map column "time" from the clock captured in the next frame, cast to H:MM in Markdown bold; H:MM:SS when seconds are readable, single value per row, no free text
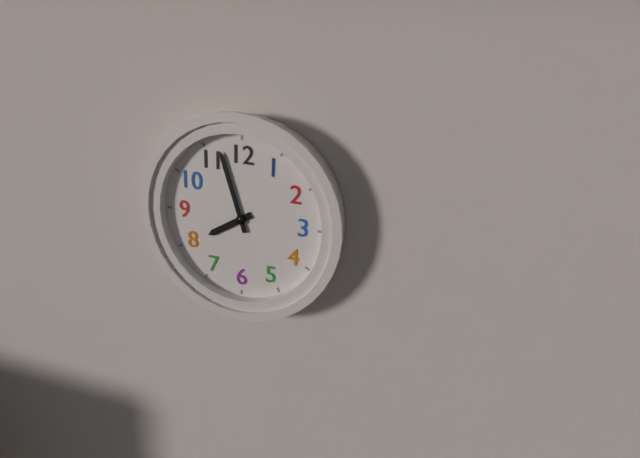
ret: **7:57**
